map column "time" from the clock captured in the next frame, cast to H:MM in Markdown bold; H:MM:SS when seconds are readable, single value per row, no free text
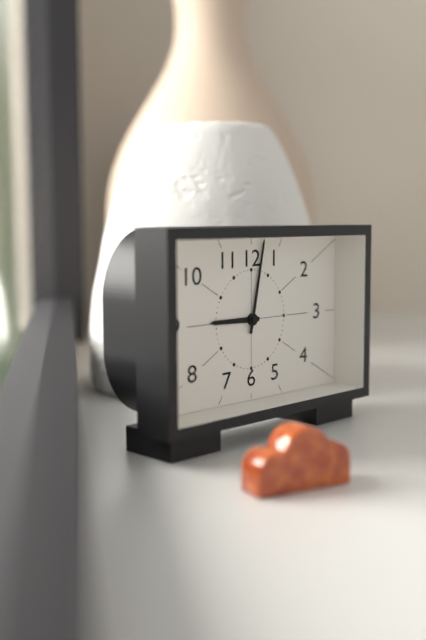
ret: **9:02**
